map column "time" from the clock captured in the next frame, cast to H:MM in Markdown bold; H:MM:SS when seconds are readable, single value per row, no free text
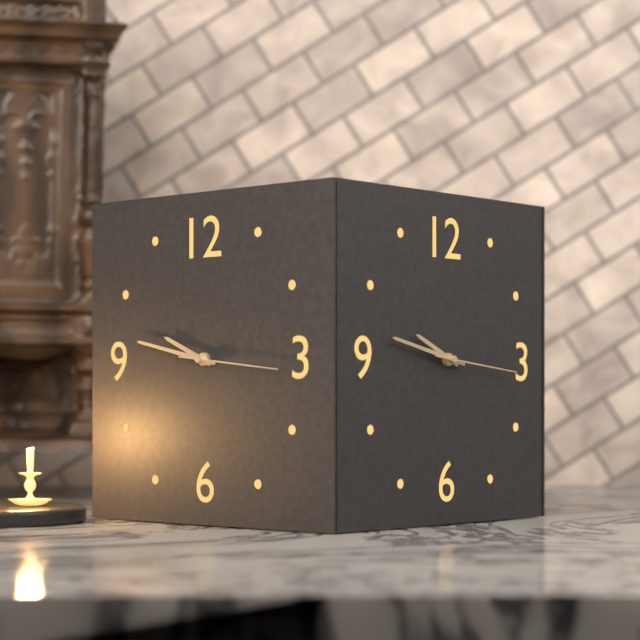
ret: **9:47:16**
